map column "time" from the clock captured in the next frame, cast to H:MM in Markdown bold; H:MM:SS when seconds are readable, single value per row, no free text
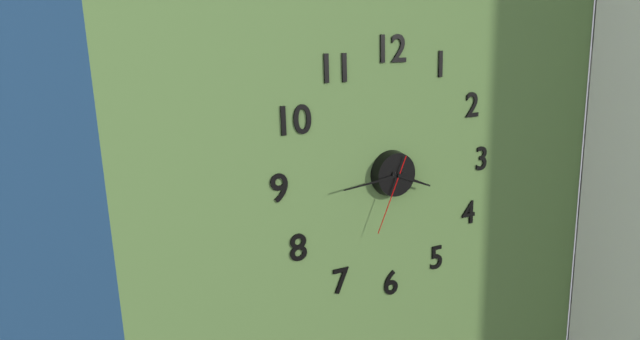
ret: **3:44:34**
